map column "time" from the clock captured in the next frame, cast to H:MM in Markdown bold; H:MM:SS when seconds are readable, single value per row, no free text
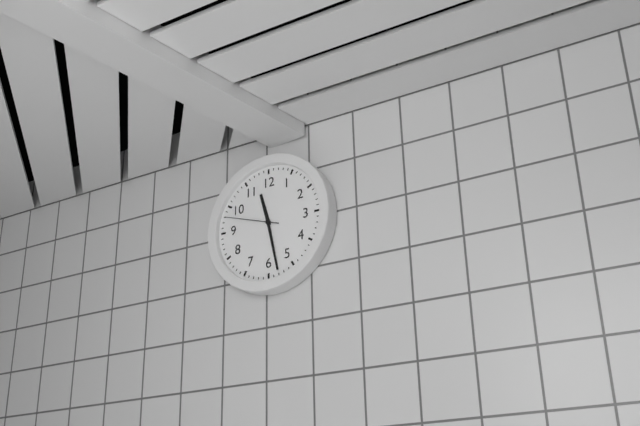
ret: **11:28:48**
